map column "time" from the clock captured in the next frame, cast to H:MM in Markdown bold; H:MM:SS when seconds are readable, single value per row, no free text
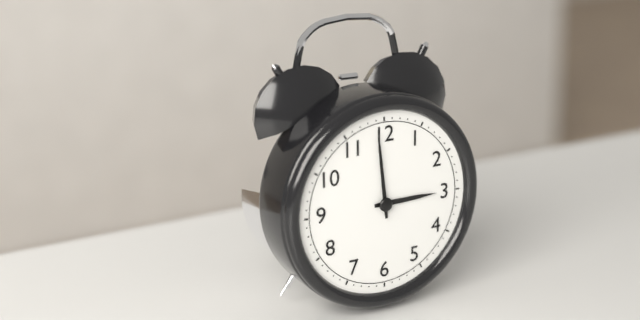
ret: **2:59**
